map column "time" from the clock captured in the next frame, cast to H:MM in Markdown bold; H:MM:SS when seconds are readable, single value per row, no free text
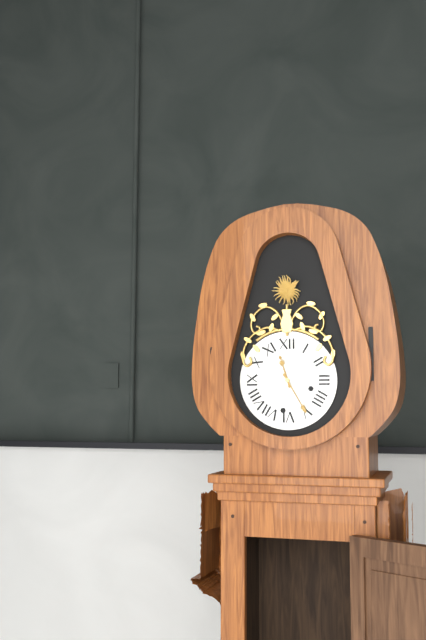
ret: **11:25**
